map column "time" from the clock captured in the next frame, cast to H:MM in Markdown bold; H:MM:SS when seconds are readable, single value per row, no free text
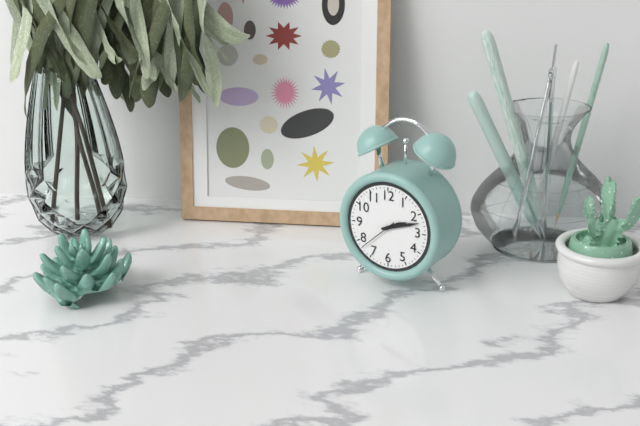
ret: **2:12**
